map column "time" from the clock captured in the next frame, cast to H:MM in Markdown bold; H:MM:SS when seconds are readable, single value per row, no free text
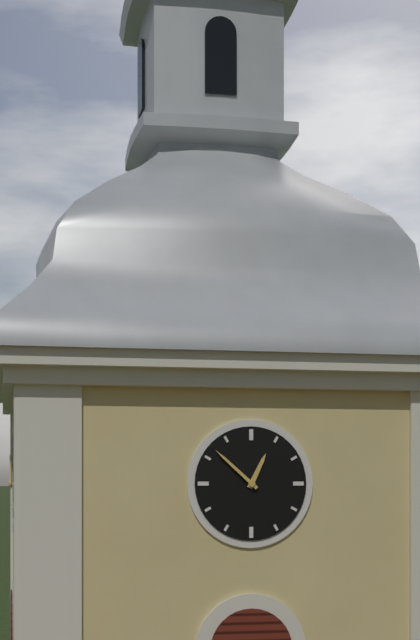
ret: **12:52**
